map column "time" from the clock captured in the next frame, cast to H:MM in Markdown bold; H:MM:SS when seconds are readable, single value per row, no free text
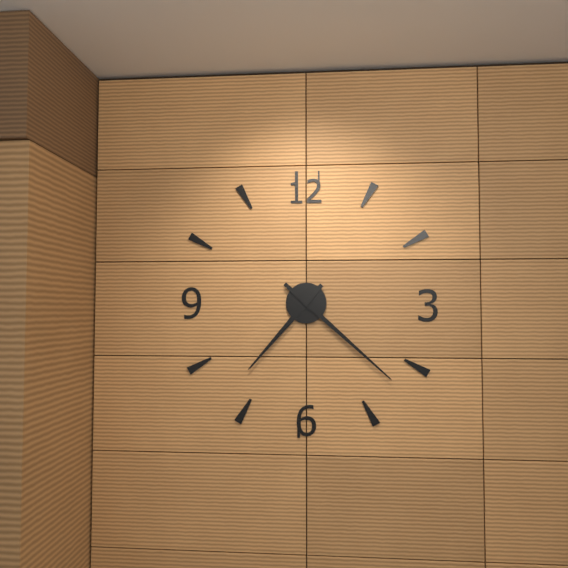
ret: **7:22**
